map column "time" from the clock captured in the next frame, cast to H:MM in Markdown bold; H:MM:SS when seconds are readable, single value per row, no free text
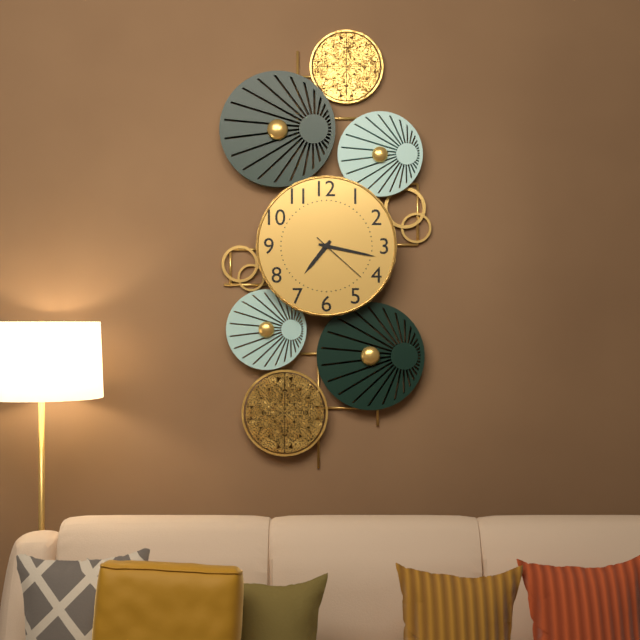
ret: **7:17:22**
